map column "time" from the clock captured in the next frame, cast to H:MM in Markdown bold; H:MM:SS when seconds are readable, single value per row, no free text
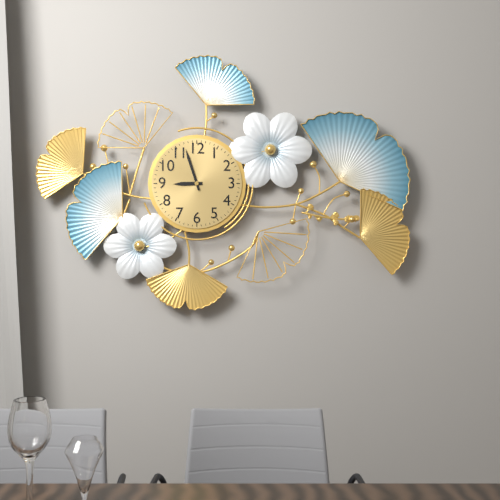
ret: **8:57**
